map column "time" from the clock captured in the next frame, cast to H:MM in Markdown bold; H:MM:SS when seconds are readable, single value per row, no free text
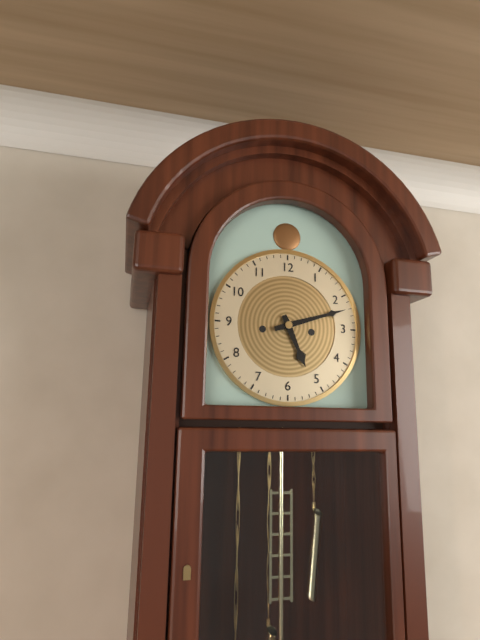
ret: **5:12**
